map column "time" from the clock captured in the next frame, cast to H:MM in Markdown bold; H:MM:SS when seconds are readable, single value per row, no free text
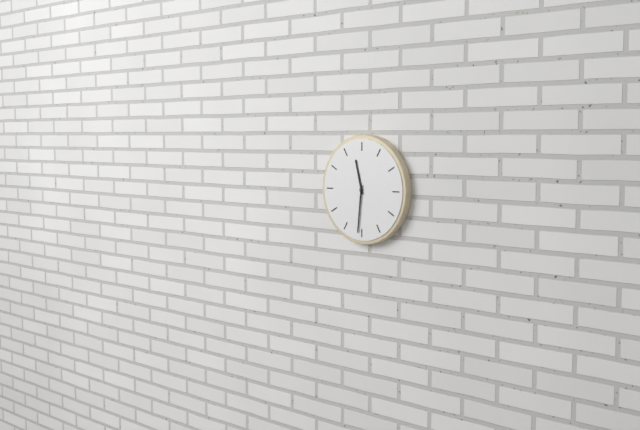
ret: **11:31**
